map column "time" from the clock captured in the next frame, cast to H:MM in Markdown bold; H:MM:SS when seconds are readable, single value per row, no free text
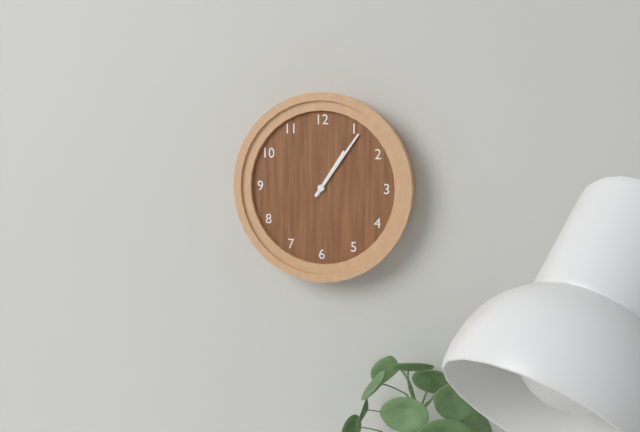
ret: **1:06**
